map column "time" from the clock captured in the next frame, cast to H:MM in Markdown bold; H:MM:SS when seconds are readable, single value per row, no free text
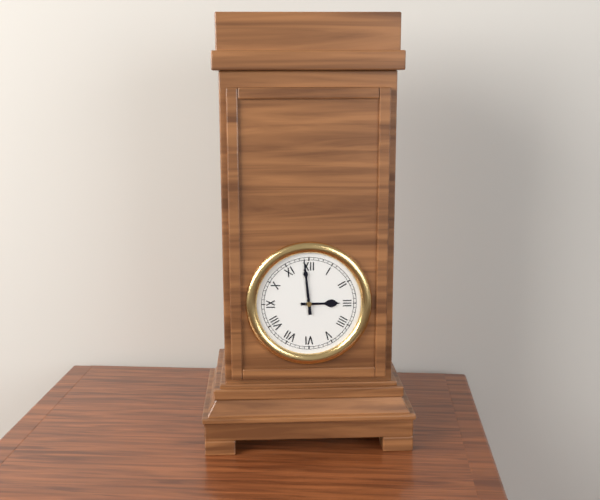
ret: **2:59**
